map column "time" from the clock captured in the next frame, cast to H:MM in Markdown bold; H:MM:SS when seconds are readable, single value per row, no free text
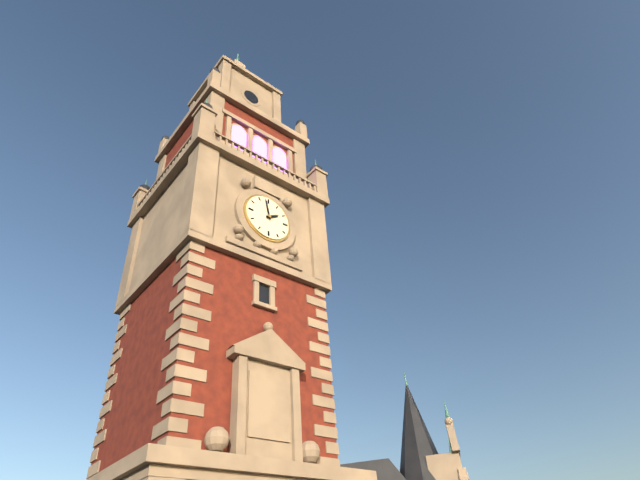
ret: **1:58**
